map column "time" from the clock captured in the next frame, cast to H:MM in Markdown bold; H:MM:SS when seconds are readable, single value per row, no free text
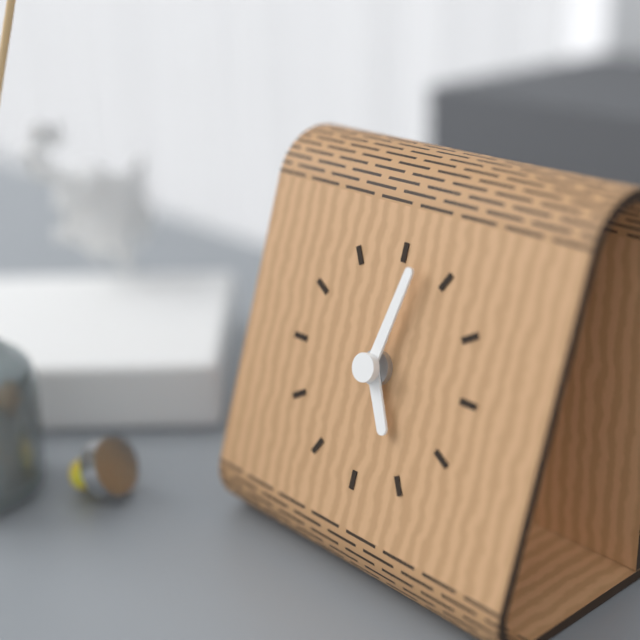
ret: **5:02**
